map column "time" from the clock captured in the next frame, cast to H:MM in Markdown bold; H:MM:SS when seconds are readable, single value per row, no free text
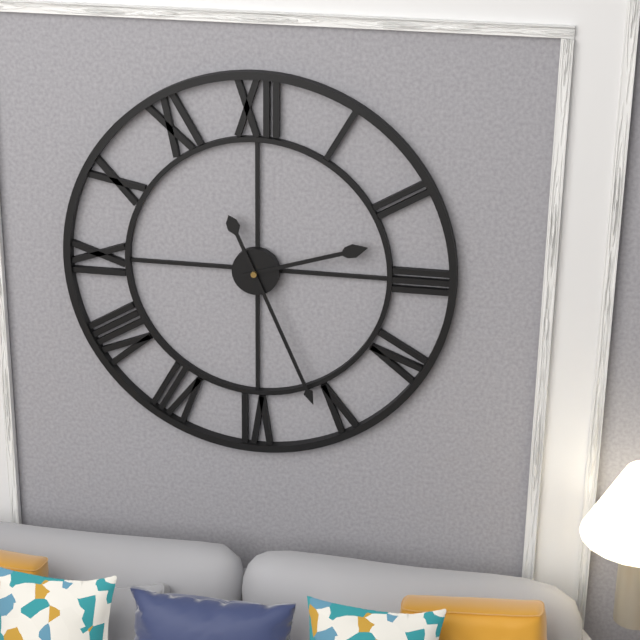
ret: **2:26**
